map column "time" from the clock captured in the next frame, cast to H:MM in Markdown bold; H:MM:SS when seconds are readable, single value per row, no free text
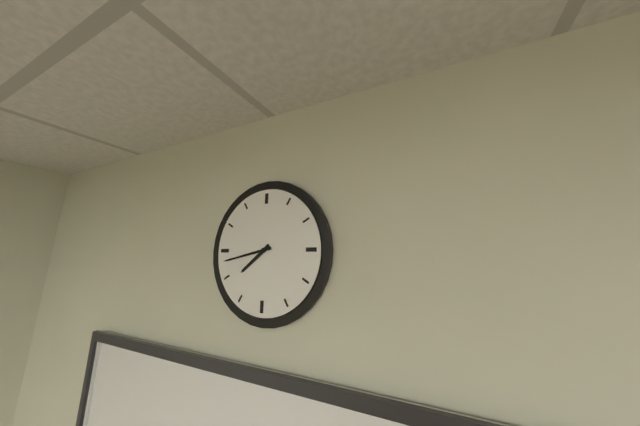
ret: **7:43**
